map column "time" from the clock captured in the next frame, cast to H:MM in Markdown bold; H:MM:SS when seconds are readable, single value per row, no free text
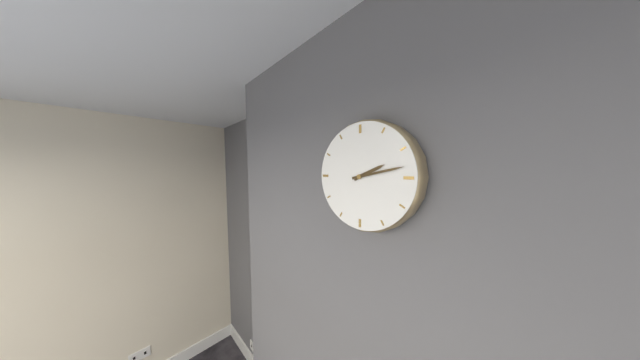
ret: **2:13**
